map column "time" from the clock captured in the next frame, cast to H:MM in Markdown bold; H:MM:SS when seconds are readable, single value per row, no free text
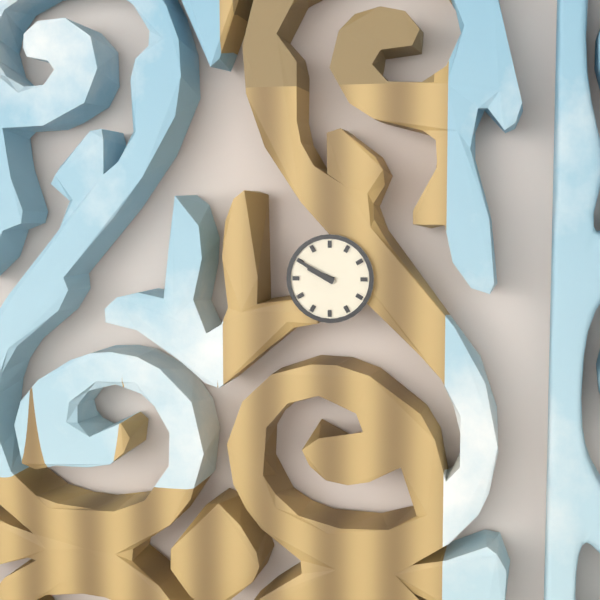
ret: **9:50**
